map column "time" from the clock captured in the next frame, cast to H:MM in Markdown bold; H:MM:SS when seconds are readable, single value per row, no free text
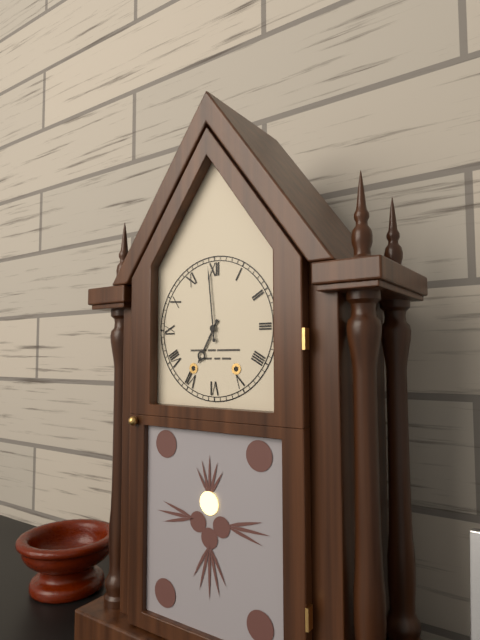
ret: **6:59**
